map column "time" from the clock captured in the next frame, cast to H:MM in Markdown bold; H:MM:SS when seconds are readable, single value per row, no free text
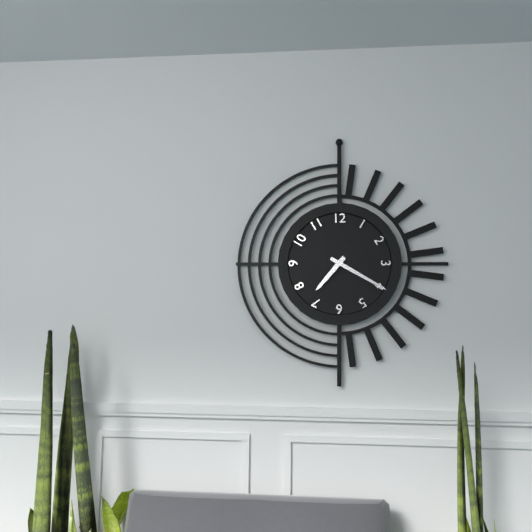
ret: **7:20**
